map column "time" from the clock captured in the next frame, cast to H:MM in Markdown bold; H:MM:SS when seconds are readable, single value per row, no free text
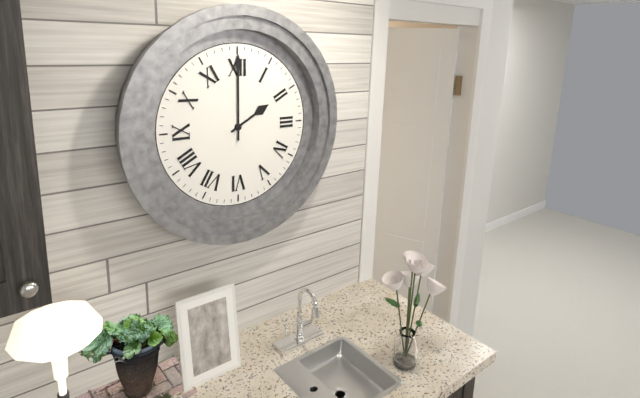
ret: **2:00**
